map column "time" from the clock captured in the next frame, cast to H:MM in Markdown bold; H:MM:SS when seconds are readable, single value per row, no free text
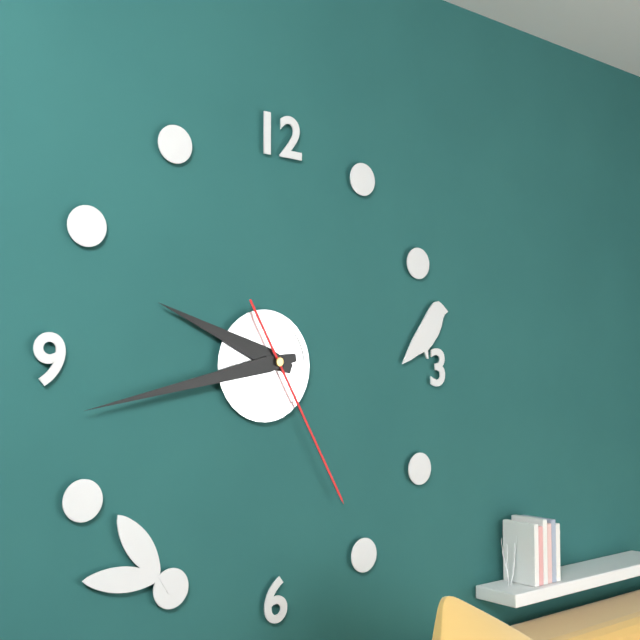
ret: **9:43:25**
